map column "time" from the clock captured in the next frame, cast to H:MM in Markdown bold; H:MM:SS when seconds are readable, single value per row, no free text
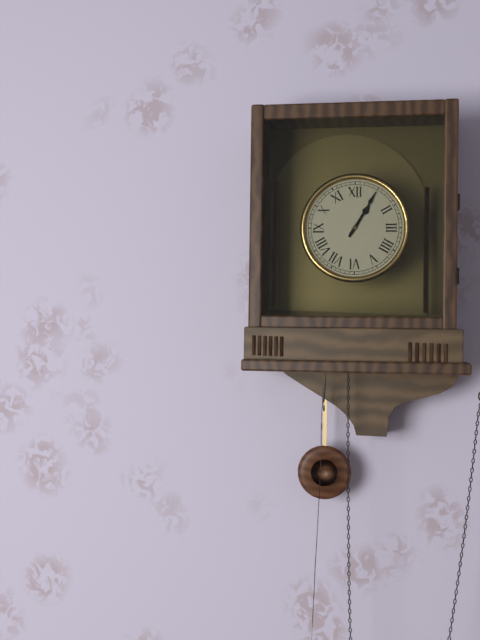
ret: **1:05**
